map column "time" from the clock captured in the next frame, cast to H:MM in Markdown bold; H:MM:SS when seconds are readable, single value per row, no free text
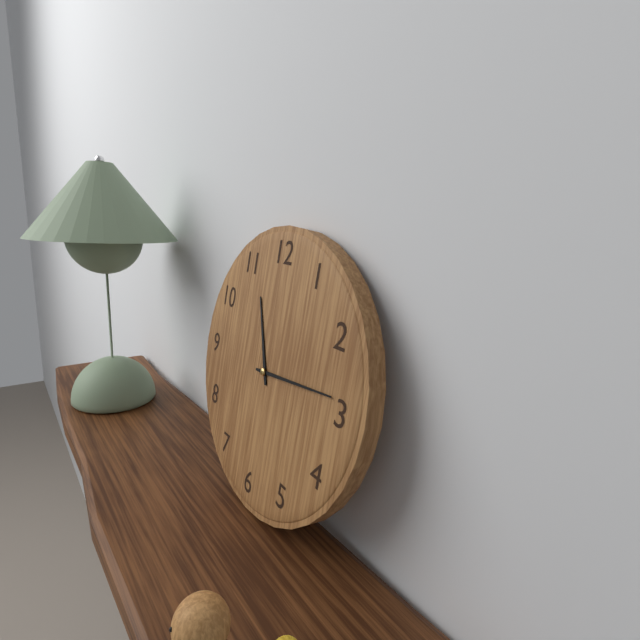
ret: **11:14**
